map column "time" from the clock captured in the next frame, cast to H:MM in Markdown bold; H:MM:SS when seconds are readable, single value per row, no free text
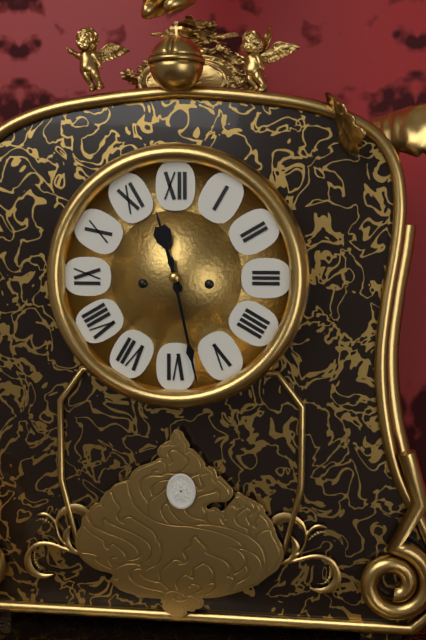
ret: **11:28**
